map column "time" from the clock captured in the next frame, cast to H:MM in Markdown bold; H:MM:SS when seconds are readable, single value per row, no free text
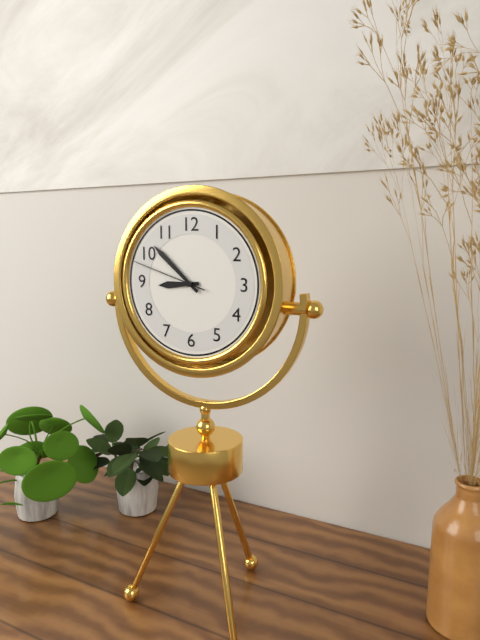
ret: **8:52:48**
